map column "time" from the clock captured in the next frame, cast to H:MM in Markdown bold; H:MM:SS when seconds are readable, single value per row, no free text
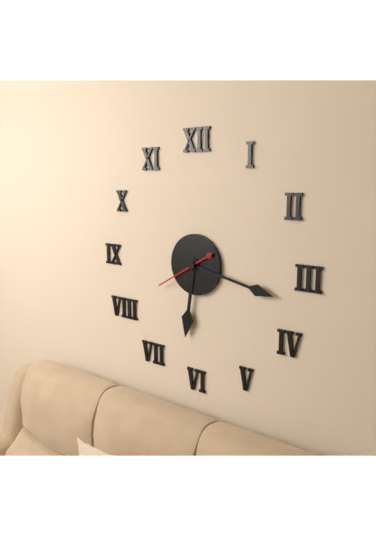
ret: **6:17:40**
